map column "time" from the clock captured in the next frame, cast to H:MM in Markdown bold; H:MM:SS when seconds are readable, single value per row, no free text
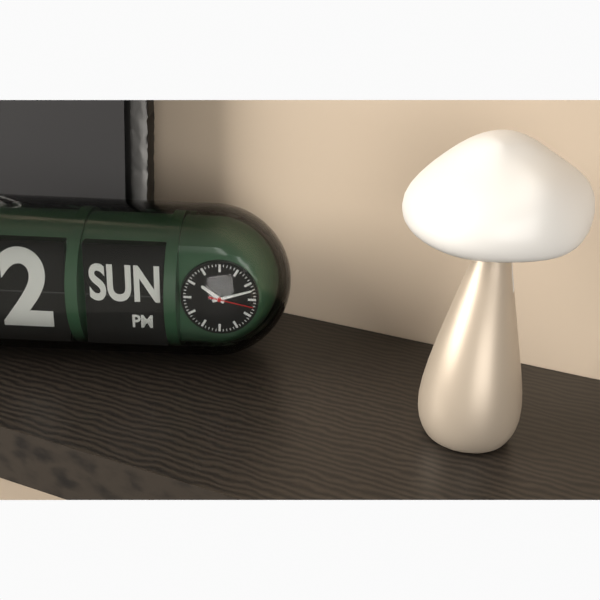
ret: **10:12**
